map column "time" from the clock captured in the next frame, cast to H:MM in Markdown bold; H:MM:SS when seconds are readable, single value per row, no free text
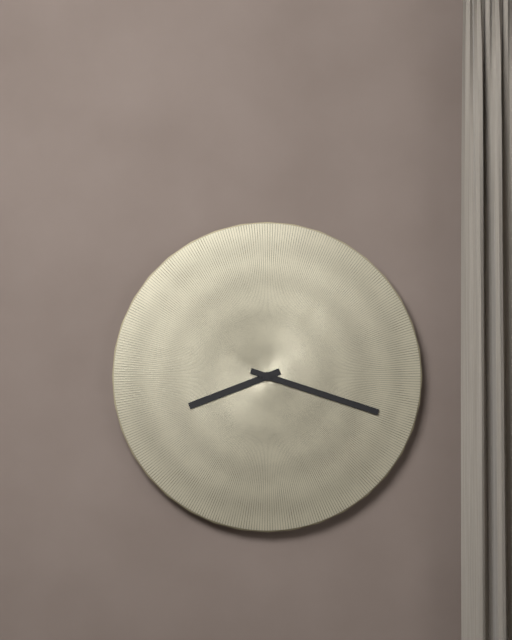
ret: **8:18**
